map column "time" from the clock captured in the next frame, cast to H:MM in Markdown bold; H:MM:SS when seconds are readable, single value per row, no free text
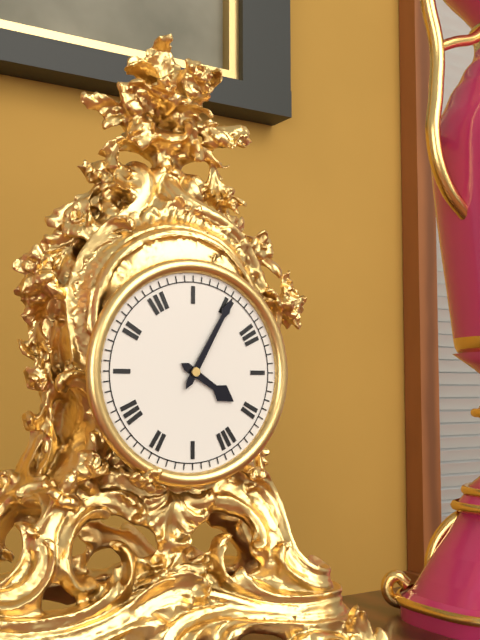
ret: **4:05**
